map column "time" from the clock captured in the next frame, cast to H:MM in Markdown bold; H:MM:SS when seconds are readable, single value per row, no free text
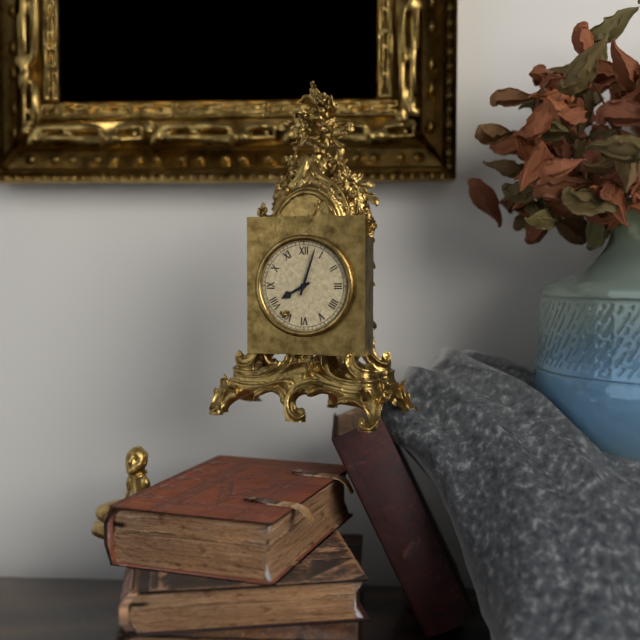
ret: **8:03**
